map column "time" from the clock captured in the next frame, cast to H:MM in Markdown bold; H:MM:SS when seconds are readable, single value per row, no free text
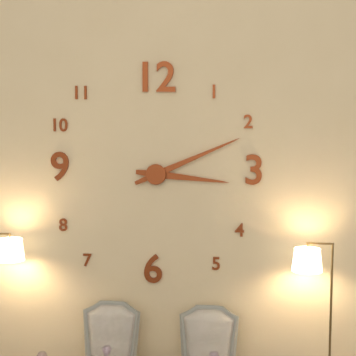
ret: **3:11**
